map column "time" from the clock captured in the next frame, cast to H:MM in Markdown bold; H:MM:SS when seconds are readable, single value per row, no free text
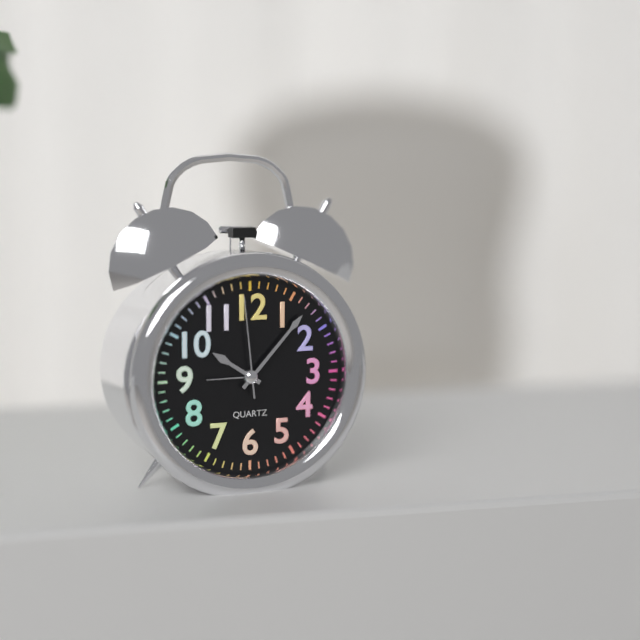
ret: **10:07:59**
